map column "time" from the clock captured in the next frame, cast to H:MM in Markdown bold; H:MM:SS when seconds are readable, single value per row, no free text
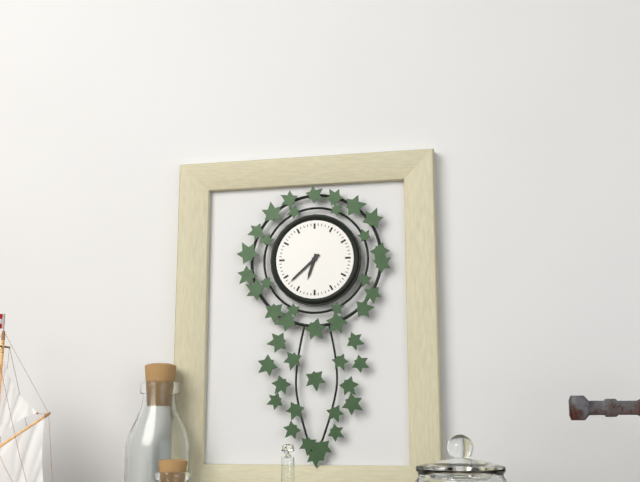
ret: **6:38**
